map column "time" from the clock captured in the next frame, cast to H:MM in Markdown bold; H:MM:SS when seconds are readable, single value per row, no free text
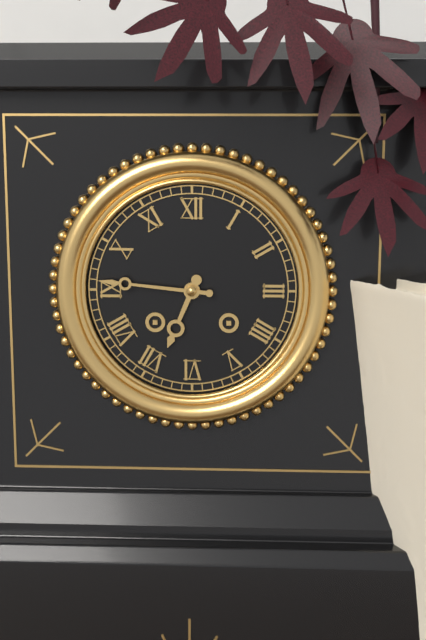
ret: **6:46**
